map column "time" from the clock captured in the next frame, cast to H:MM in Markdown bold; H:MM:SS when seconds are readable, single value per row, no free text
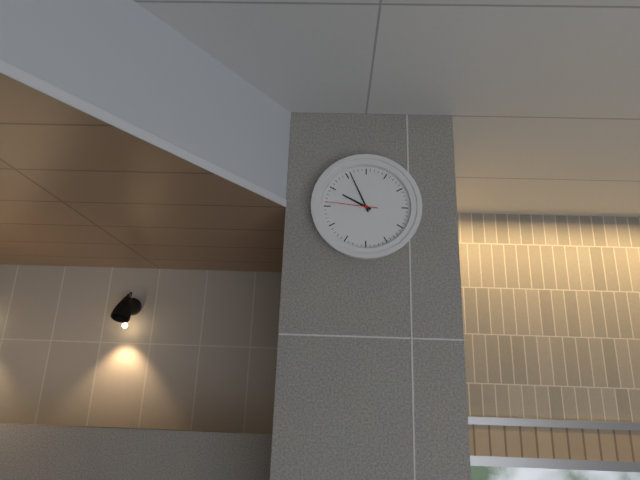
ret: **9:56:46**
